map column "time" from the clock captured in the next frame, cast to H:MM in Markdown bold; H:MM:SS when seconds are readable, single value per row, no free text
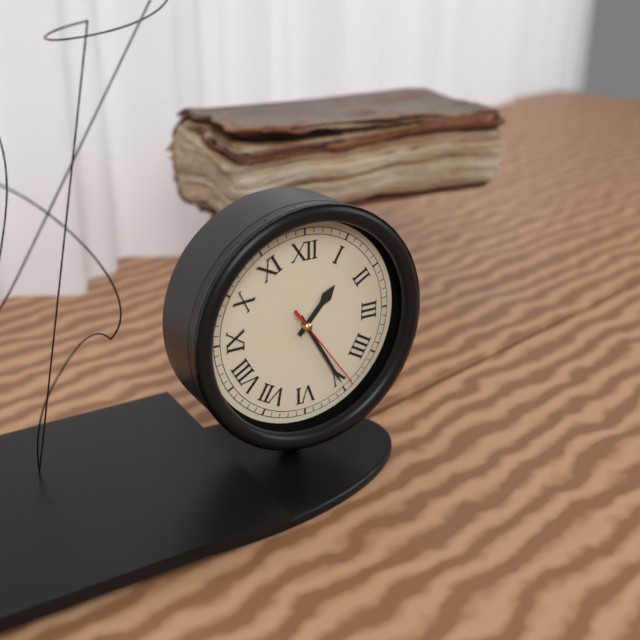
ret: **1:25:24**
